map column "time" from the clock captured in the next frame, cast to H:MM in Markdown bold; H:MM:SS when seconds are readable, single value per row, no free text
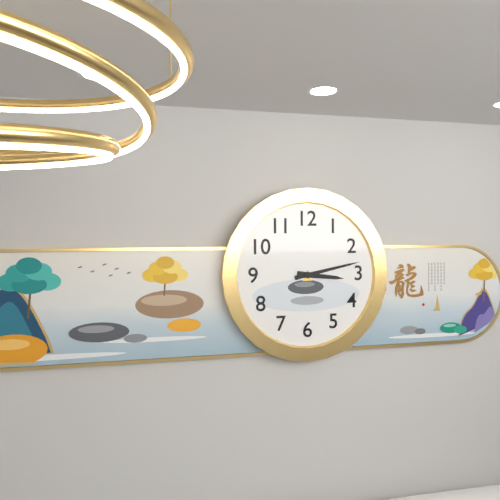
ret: **3:13**
